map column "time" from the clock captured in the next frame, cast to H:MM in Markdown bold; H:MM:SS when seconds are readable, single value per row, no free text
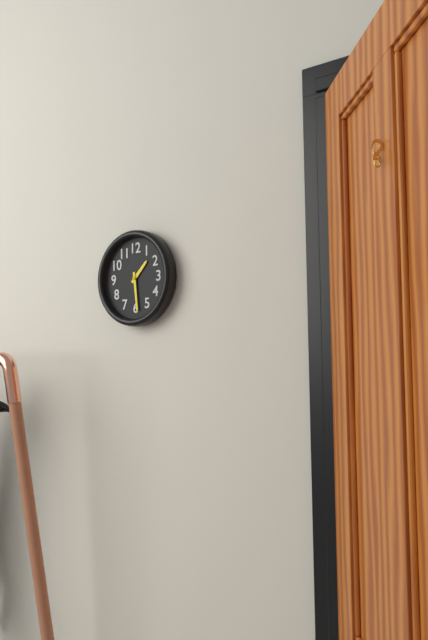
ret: **1:29**
